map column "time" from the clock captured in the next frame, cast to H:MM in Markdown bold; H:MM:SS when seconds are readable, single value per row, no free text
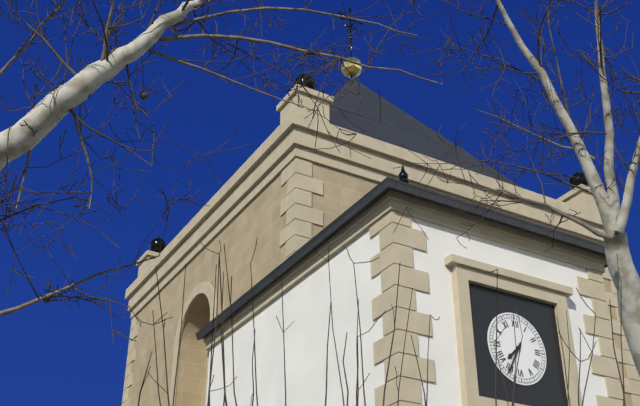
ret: **7:35**
